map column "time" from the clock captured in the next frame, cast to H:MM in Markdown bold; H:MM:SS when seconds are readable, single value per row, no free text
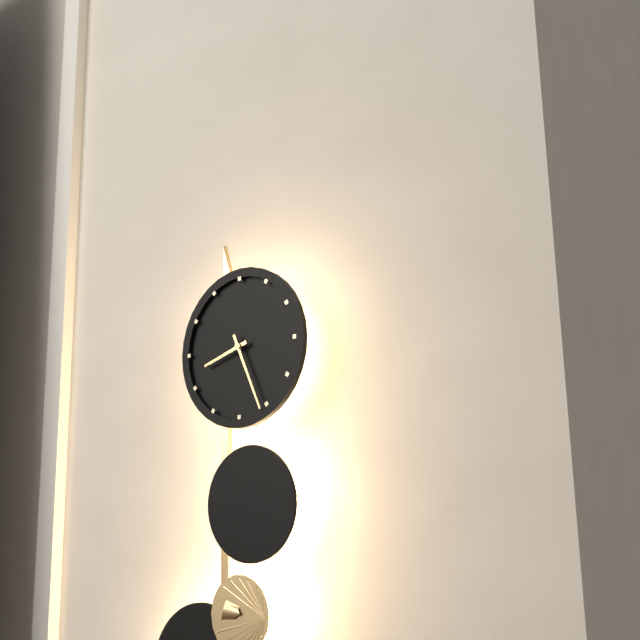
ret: **8:26**
